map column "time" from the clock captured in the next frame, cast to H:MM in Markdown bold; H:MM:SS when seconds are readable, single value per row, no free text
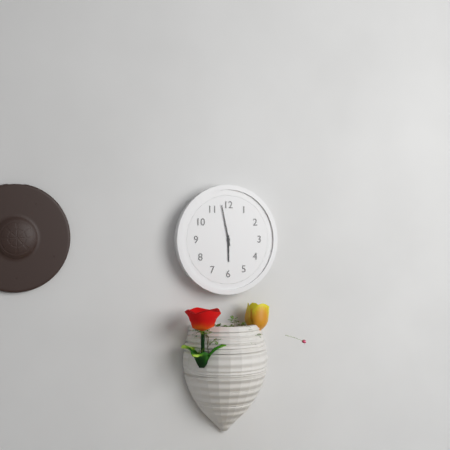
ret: **5:58**
